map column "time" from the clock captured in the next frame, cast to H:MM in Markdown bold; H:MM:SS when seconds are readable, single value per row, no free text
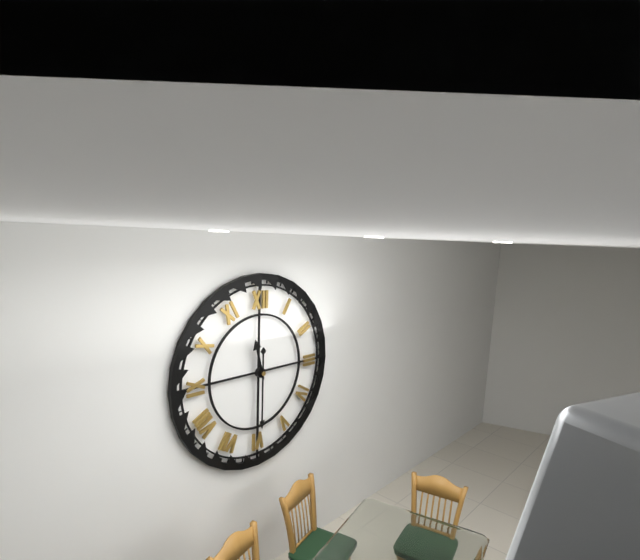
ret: **11:30**
